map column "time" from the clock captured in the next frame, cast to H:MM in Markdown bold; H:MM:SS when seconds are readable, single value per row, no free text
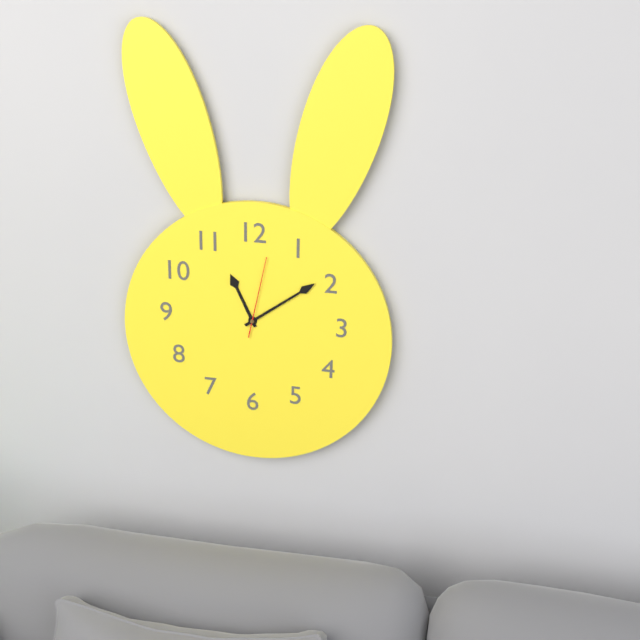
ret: **11:09:02**
